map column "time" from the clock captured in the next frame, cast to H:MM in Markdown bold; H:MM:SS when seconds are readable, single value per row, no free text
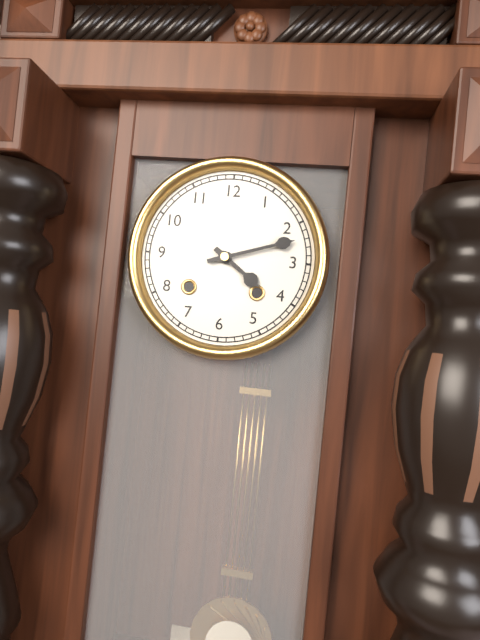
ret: **4:12**
